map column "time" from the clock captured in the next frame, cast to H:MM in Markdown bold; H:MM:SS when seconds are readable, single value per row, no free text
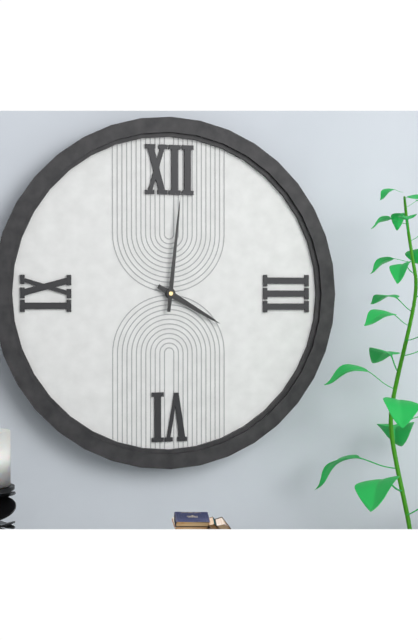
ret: **4:01**
